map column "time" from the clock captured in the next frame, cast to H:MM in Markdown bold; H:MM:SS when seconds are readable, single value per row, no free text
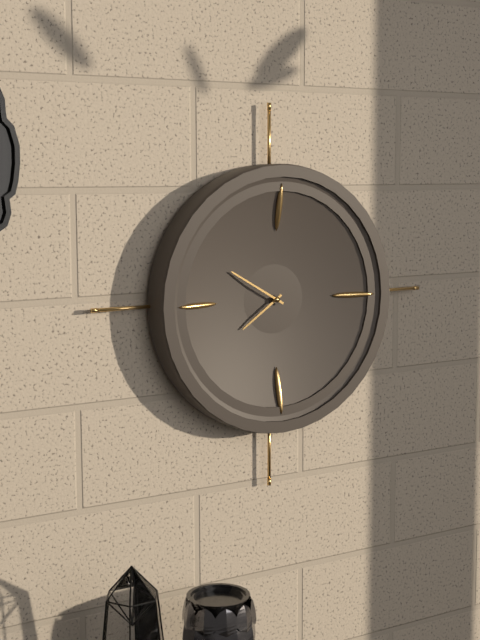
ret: **7:50**
